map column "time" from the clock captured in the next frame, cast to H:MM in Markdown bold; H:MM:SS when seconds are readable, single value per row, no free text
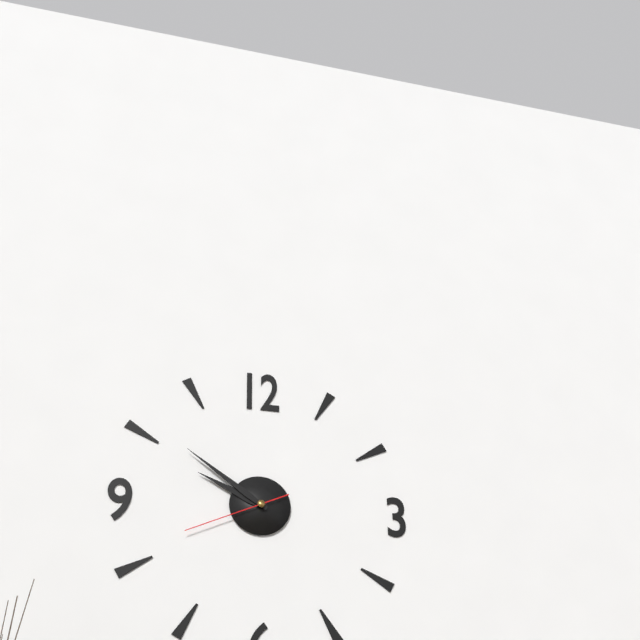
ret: **9:51:41**
